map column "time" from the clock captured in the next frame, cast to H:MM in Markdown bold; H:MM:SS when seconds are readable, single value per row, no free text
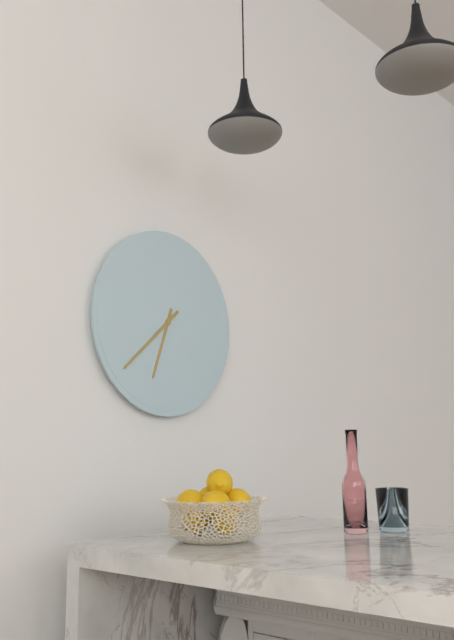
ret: **6:38**
